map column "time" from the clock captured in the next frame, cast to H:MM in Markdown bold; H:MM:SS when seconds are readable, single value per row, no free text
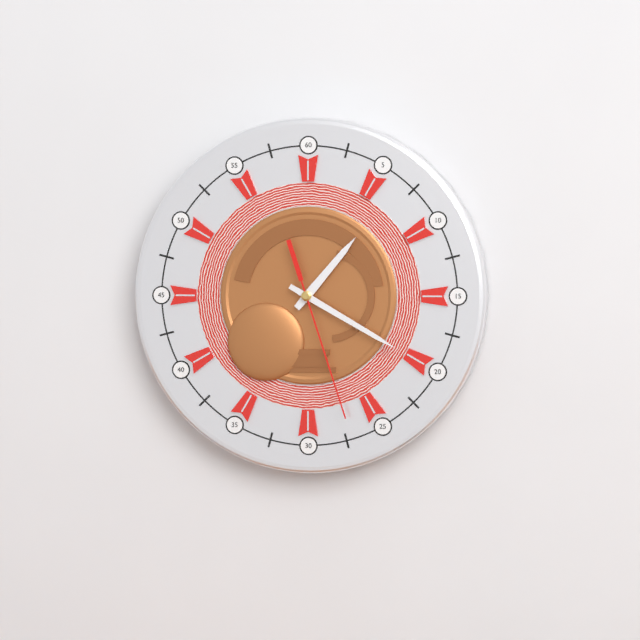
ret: **1:20:27**
